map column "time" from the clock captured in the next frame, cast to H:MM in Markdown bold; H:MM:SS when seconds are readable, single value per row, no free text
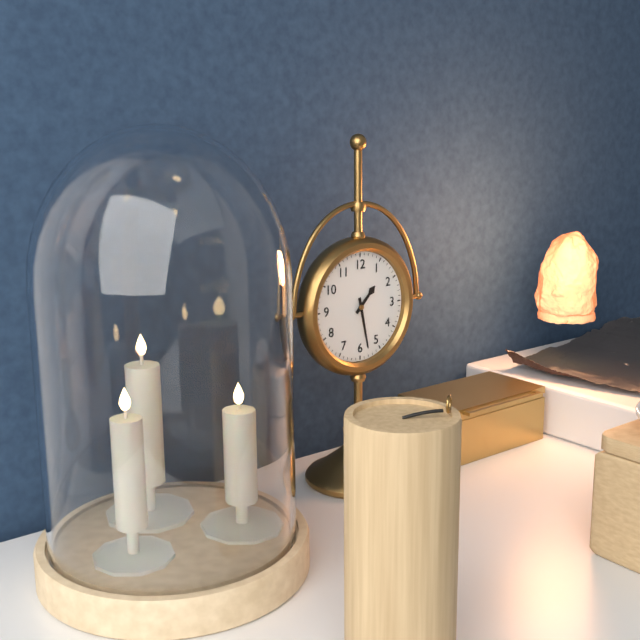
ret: **1:28**
